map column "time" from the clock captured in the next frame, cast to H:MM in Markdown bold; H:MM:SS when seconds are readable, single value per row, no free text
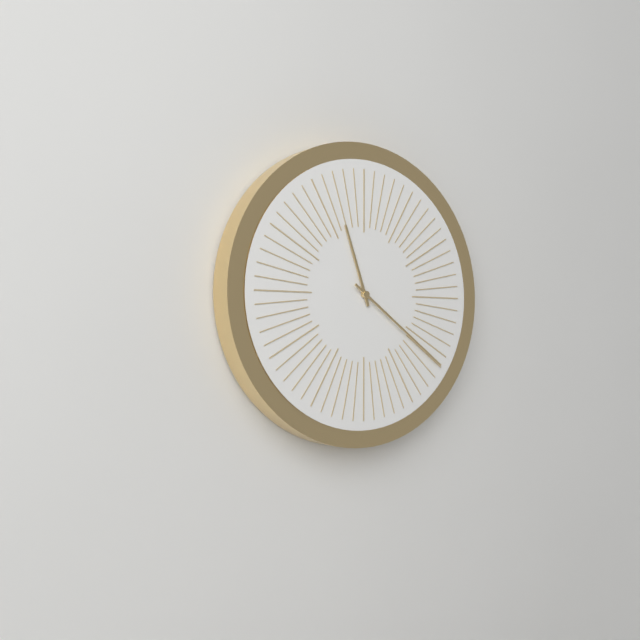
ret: **11:21**
